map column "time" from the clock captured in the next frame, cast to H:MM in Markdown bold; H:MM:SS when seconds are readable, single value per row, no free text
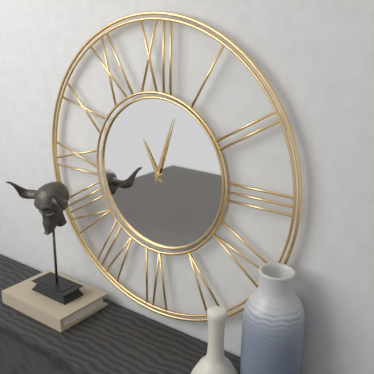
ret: **11:03**
